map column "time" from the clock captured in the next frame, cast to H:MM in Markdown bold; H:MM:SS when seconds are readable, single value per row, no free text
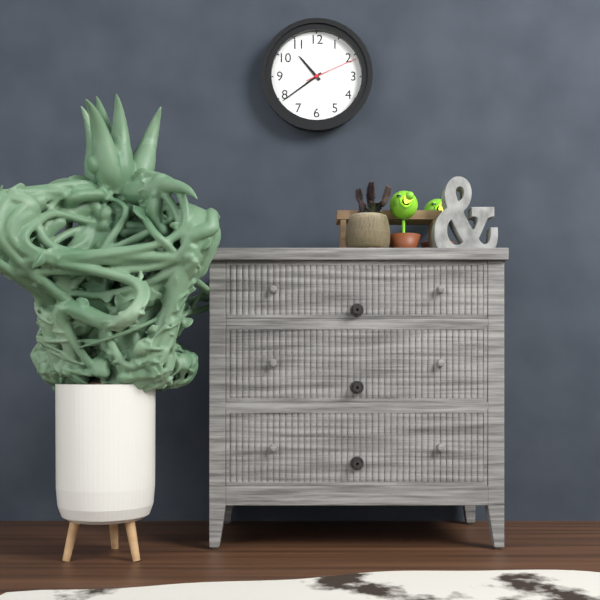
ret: **10:39:11**
